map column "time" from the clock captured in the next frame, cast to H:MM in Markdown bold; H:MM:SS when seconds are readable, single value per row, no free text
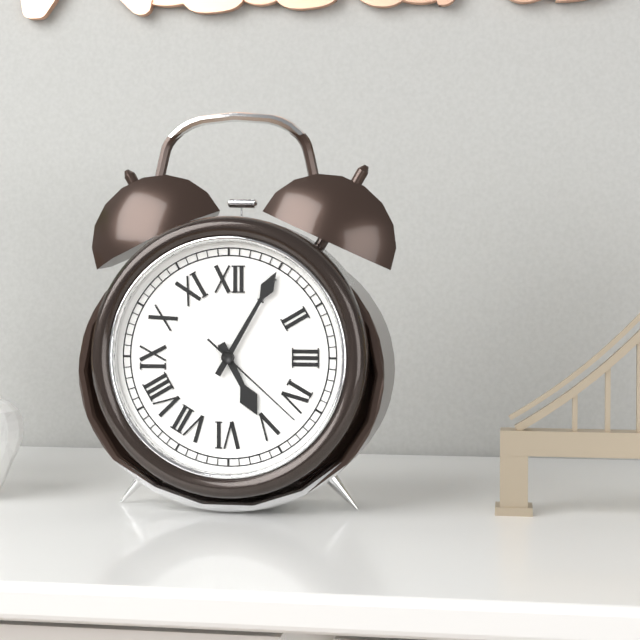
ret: **5:05:22**
